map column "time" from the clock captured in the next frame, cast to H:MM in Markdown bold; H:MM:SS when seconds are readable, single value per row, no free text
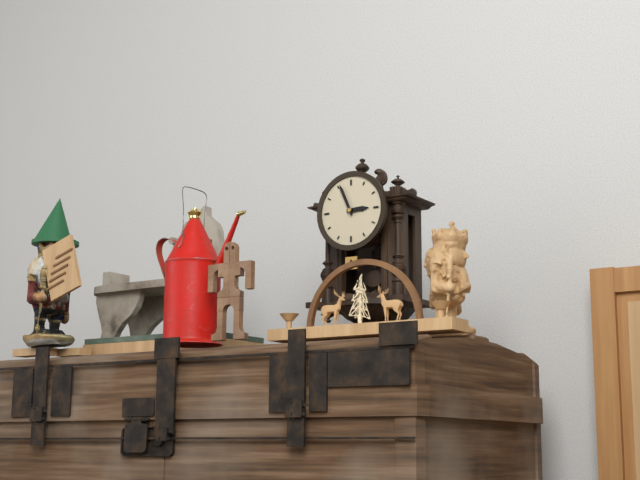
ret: **2:56**
